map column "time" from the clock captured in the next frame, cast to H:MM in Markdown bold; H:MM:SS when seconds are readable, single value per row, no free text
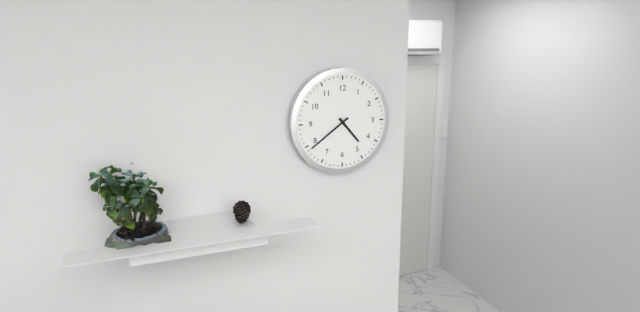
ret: **4:39**
